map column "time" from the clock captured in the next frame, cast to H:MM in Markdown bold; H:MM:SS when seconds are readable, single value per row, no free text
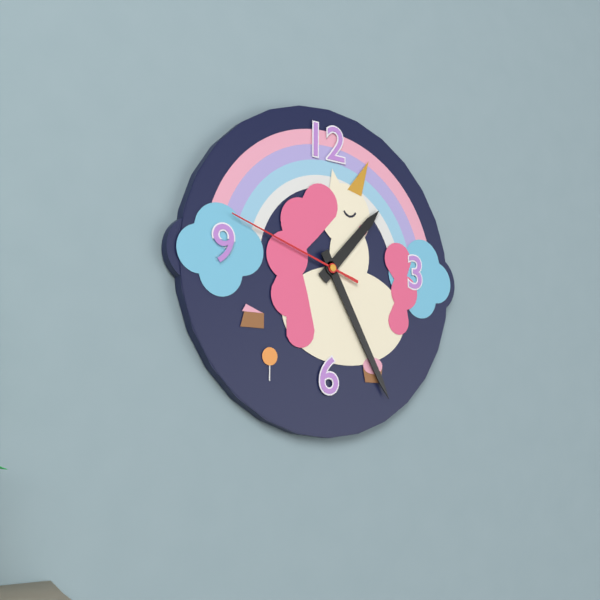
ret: **1:25:48**
